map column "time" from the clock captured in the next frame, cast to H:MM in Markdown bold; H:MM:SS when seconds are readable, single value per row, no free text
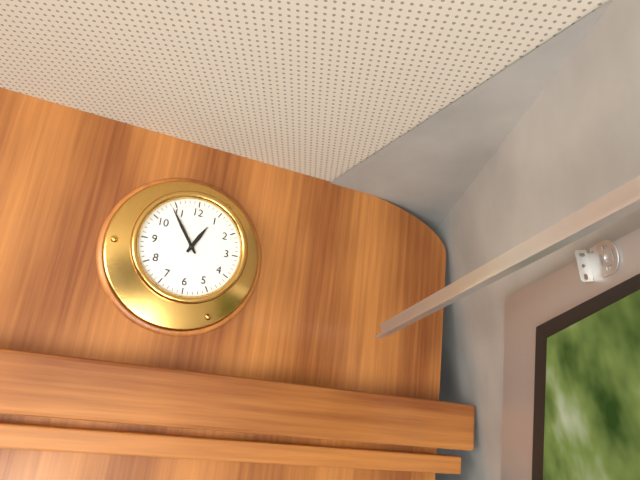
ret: **12:54**
